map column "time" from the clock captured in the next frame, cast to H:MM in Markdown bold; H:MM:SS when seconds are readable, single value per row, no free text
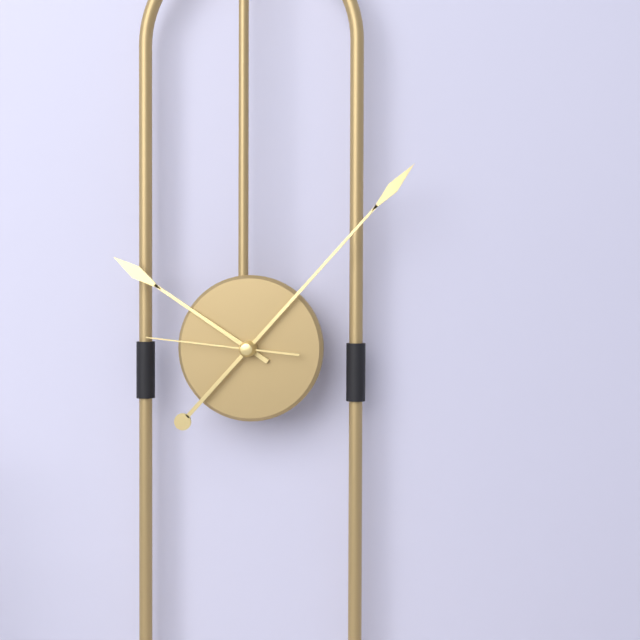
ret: **10:07:46**
